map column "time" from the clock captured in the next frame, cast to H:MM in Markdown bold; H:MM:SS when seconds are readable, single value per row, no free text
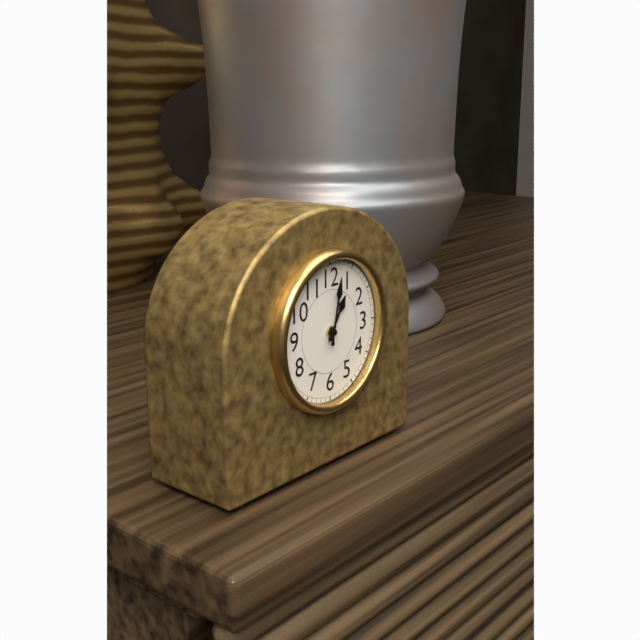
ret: **1:02**
